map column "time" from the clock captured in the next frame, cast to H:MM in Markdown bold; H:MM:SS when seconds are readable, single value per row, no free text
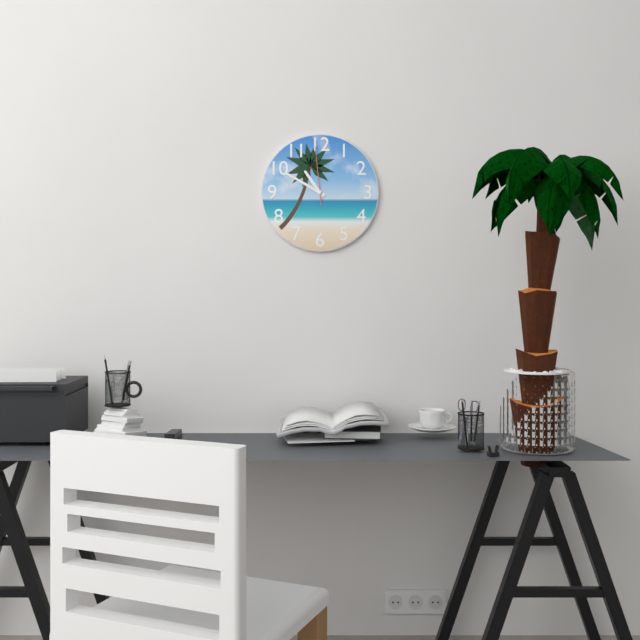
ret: **10:50:59**
